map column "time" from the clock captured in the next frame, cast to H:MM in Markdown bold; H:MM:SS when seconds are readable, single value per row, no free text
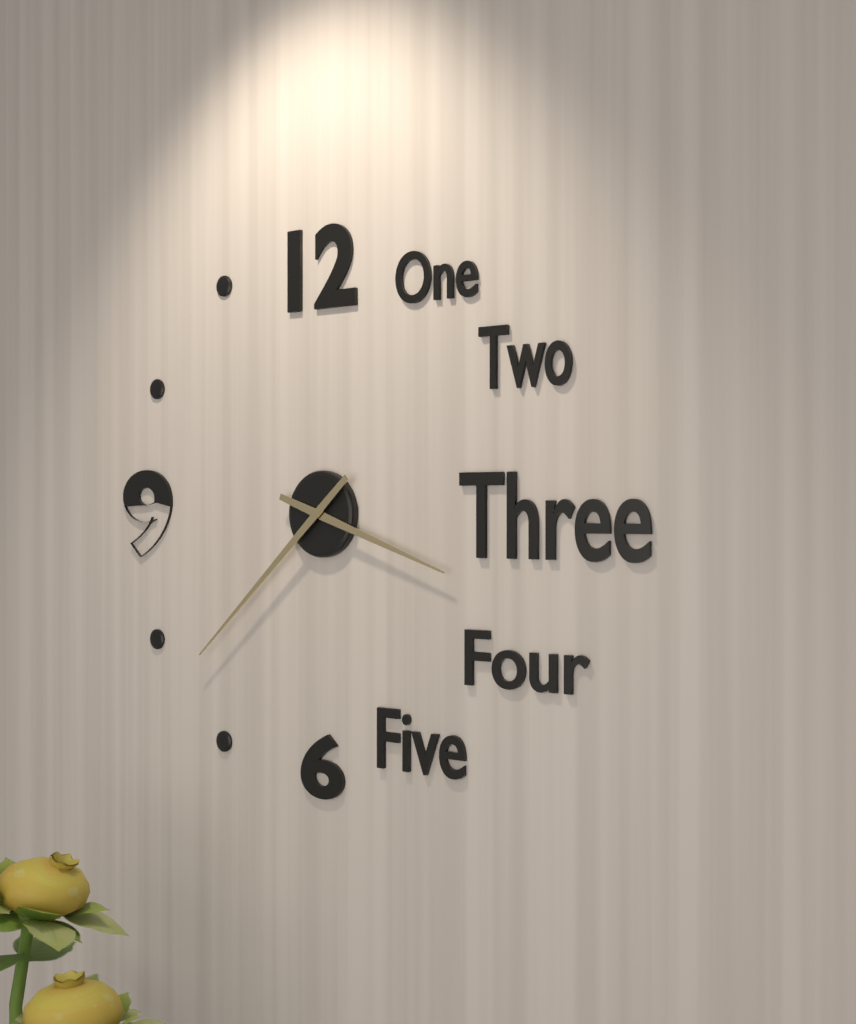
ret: **3:38**
